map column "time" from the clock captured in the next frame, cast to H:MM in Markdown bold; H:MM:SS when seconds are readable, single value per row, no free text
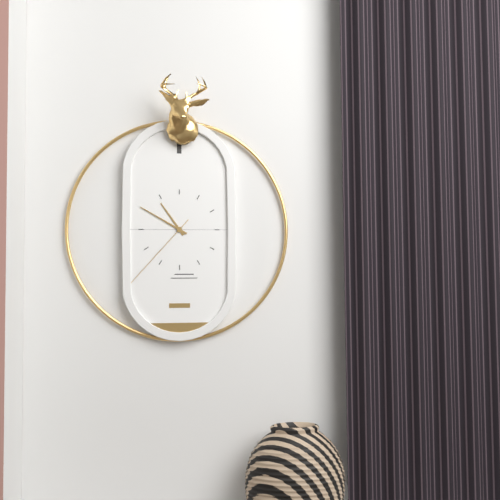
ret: **10:50:37**
